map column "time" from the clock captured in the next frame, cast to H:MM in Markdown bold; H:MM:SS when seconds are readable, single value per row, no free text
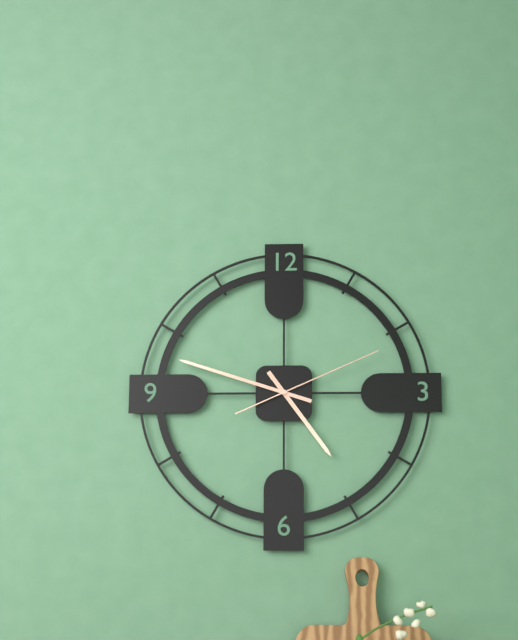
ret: **4:48:11**
